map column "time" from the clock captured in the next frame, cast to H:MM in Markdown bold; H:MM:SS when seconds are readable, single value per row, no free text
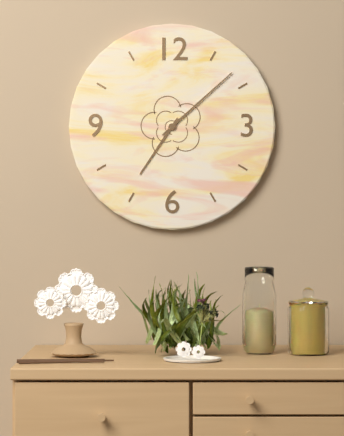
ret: **7:08**
